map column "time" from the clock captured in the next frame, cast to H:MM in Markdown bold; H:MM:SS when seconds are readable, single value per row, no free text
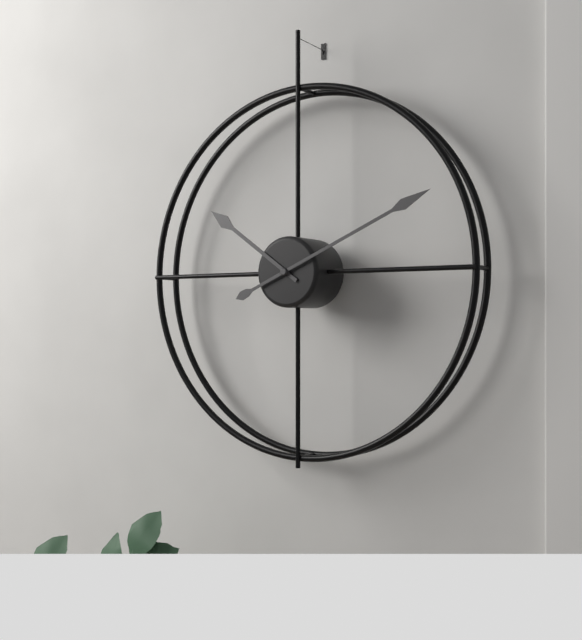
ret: **10:11**
